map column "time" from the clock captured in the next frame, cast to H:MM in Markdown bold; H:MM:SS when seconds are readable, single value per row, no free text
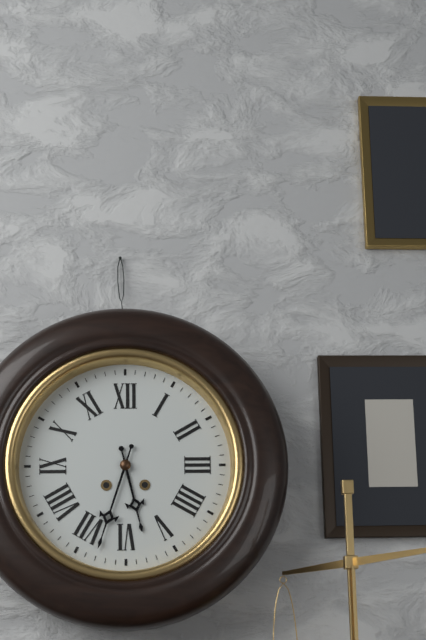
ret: **5:33**
